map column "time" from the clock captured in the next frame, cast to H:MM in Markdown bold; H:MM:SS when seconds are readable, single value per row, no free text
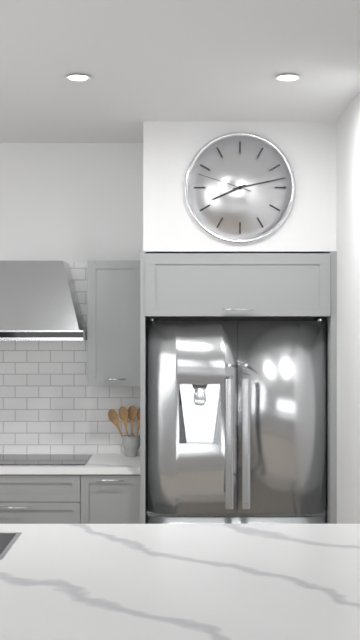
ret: **8:13:48**
